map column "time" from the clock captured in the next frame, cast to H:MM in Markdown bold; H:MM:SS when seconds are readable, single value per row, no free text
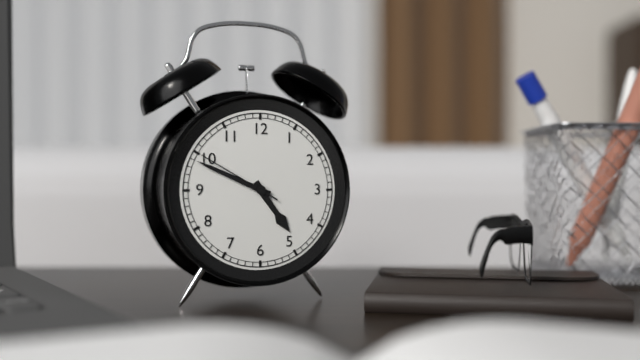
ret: **4:49:50**
